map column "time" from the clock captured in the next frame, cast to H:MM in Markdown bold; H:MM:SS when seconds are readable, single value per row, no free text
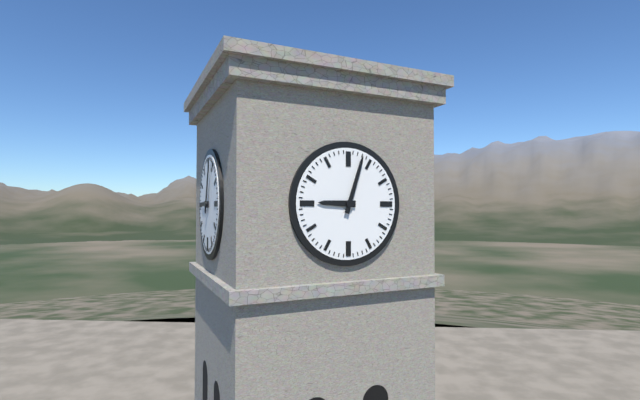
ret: **9:03**
